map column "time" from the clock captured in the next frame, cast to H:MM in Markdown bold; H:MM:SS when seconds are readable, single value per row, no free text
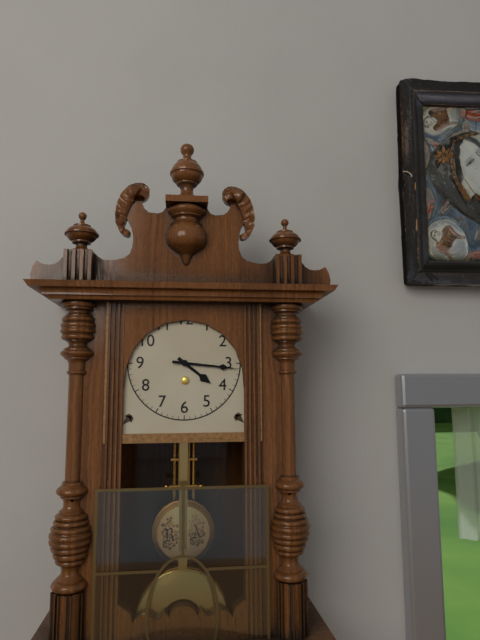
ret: **4:16**
